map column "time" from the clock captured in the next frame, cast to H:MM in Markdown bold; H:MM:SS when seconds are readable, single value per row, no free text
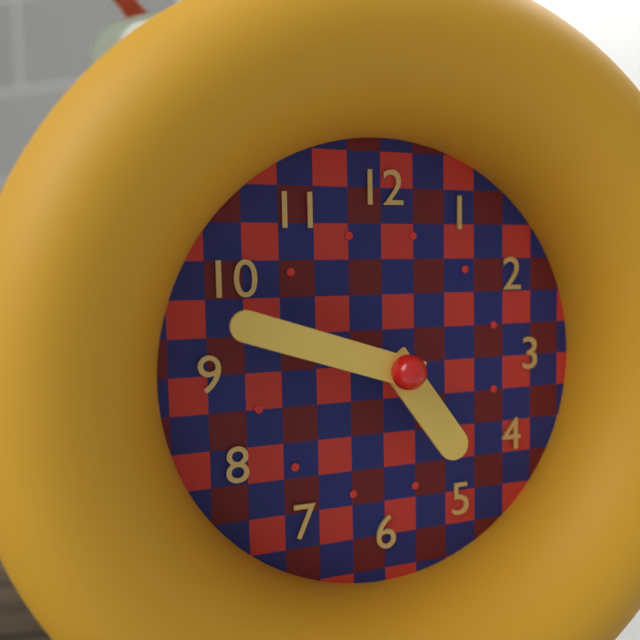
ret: **4:48**
